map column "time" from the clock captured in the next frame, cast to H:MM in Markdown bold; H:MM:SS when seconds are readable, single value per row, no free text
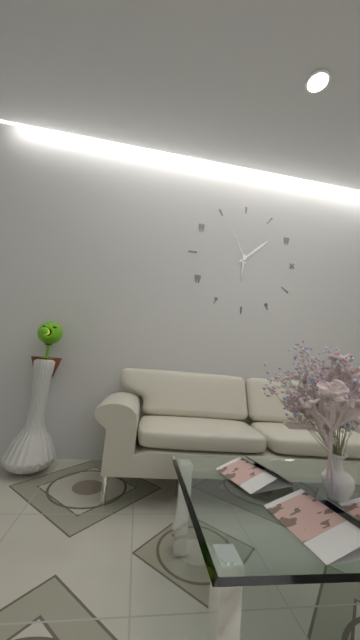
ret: **6:08**
